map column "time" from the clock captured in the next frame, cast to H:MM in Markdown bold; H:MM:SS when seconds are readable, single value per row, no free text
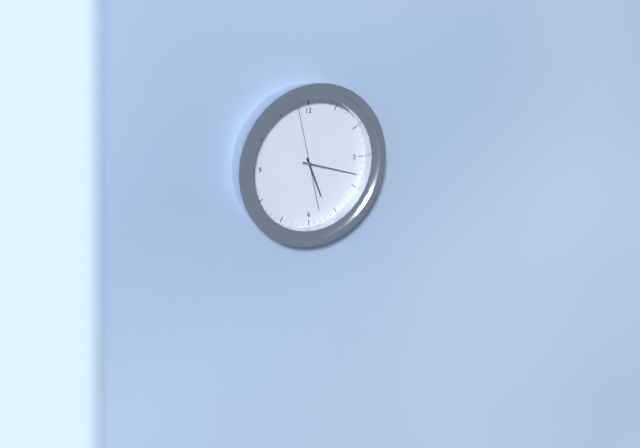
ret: **5:18:58**
